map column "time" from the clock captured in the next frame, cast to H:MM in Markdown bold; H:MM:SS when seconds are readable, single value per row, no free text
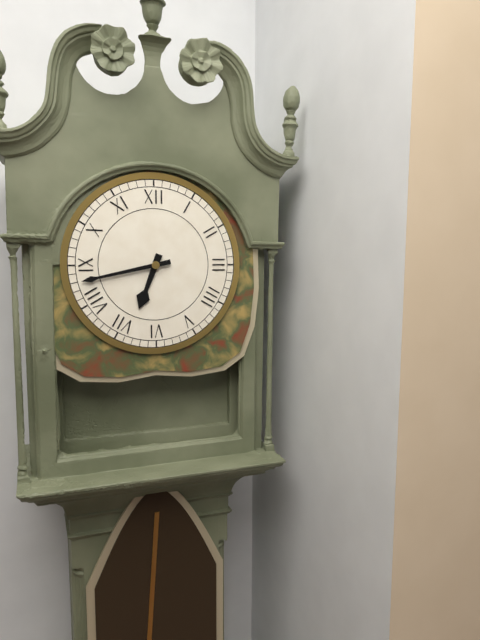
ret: **6:43**
